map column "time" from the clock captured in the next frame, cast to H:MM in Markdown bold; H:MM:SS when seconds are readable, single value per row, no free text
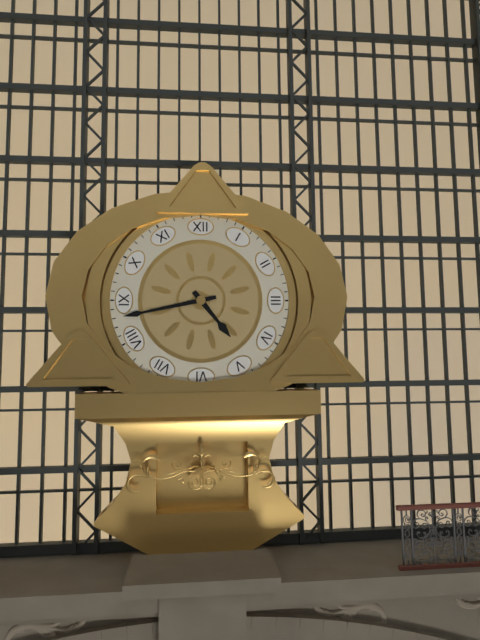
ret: **4:43**
